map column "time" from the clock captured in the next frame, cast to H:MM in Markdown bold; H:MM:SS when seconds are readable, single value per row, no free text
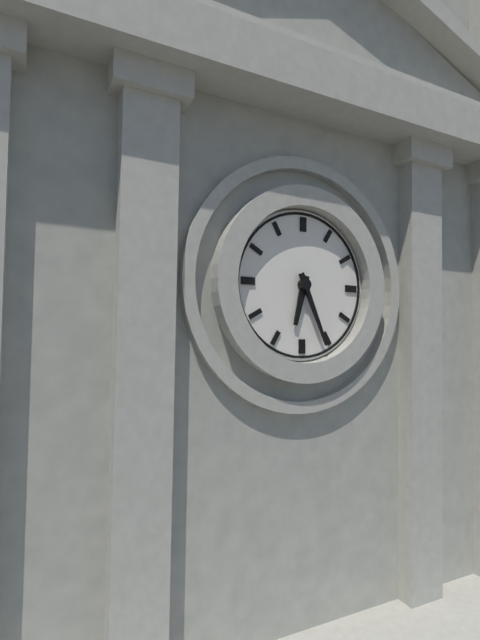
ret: **6:26**
